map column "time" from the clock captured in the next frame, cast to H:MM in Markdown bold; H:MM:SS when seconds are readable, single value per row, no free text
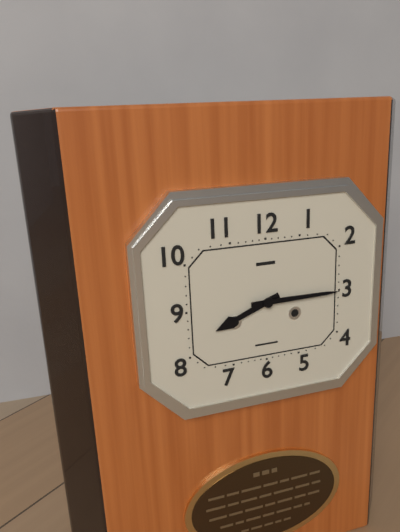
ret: **8:15**
